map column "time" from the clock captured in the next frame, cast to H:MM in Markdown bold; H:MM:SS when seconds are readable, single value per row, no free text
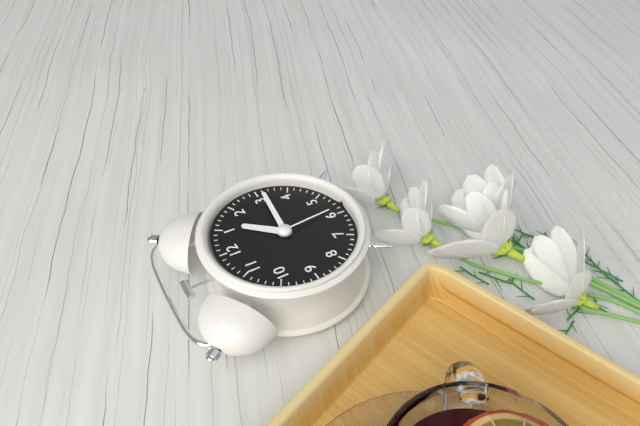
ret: **1:16:29**
